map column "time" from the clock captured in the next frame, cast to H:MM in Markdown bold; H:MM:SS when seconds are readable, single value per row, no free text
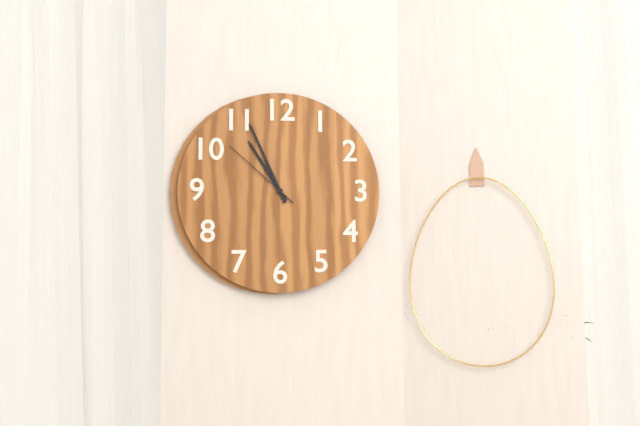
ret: **10:56:52**
